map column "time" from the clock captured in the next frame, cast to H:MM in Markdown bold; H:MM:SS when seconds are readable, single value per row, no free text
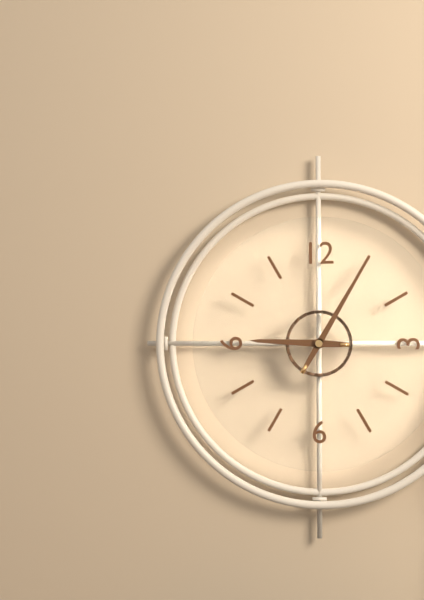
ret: **9:05**
